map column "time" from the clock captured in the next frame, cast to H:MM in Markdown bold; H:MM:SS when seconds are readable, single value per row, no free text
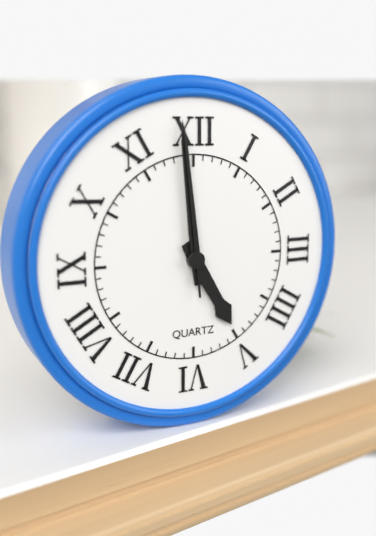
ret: **4:59:59**
